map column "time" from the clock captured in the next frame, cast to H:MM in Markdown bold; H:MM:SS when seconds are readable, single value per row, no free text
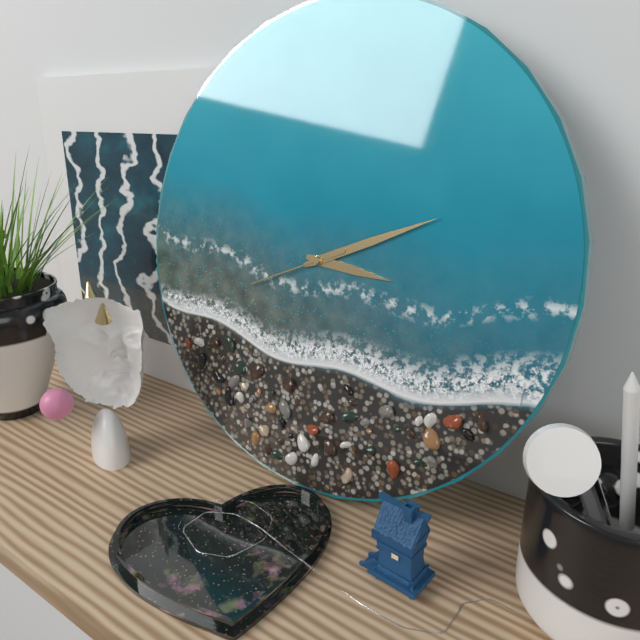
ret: **3:11:41**
